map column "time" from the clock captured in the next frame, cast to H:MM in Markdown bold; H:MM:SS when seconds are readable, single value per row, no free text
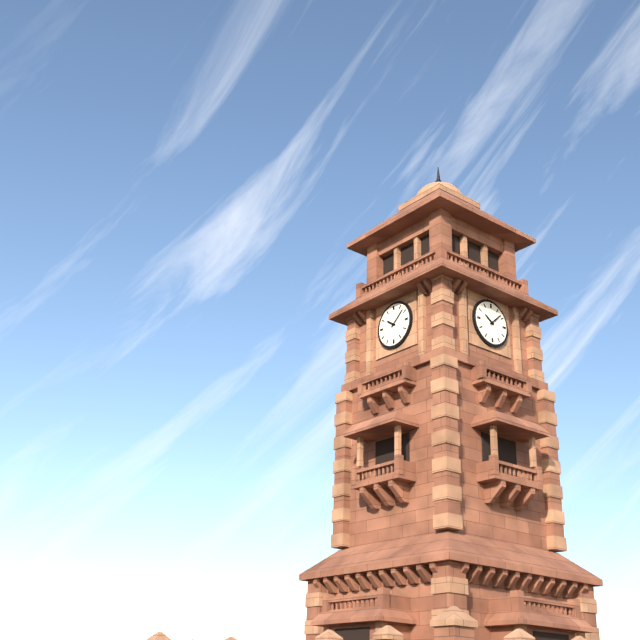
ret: **10:08**
